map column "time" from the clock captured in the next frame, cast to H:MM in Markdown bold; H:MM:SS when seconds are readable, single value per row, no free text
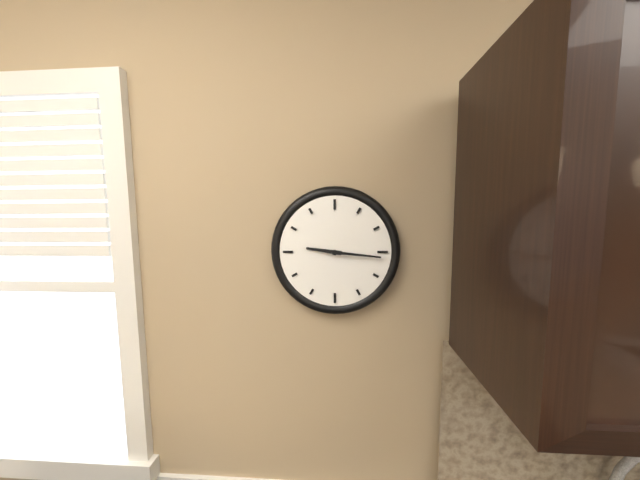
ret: **9:16**
